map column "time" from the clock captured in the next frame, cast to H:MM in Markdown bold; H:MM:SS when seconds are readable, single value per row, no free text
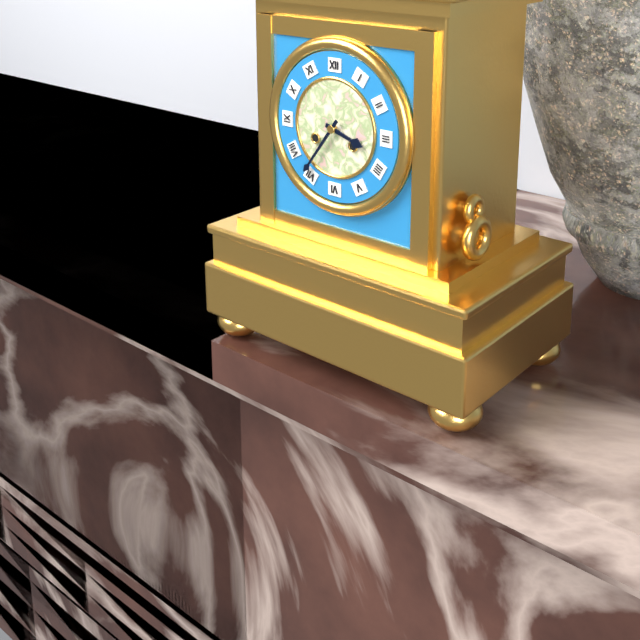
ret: **3:36**
